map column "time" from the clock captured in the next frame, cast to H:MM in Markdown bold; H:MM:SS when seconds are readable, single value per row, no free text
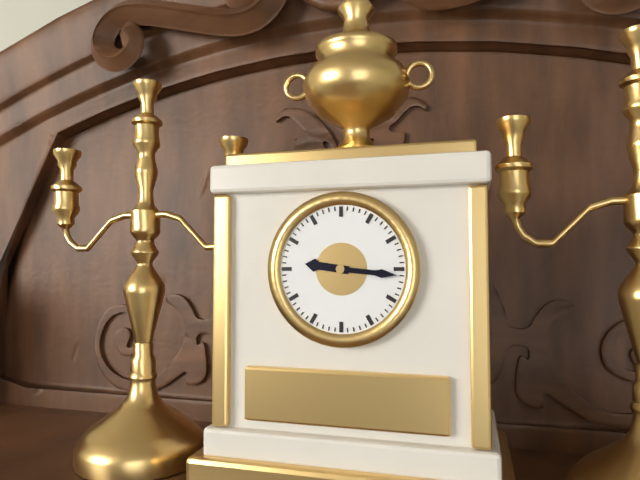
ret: **9:16**
